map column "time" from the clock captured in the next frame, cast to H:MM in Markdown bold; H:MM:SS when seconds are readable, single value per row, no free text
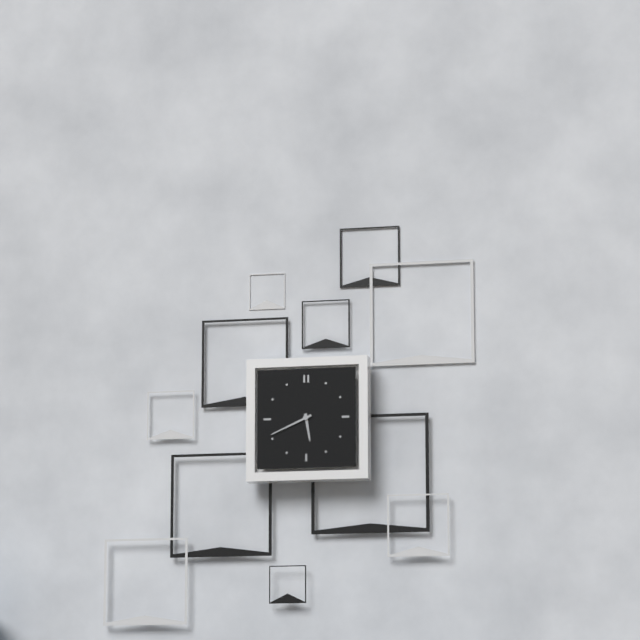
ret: **5:41**
